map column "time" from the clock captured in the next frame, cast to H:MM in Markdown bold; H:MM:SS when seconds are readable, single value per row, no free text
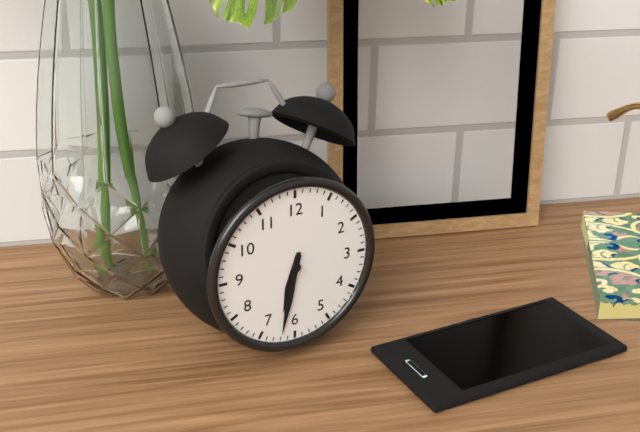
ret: **6:32**
